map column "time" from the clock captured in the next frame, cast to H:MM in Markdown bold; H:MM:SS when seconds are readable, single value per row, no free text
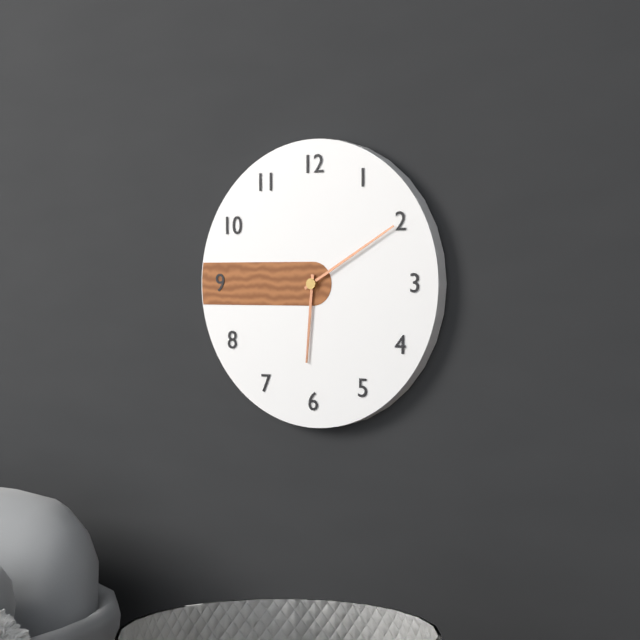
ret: **6:10**
